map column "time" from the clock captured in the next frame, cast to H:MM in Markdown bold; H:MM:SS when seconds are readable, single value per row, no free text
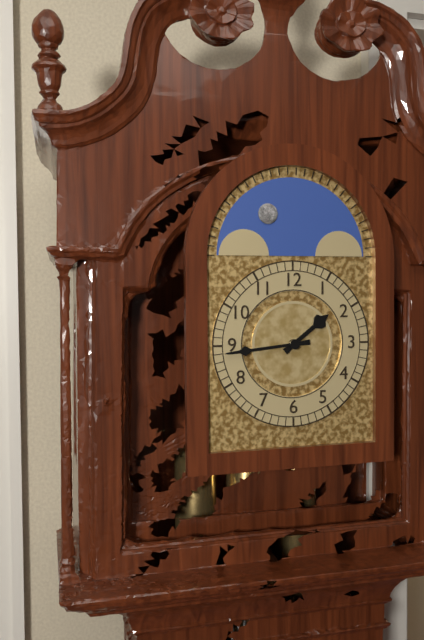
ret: **1:44**
